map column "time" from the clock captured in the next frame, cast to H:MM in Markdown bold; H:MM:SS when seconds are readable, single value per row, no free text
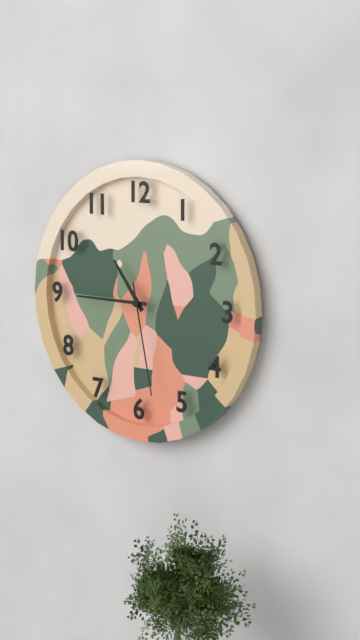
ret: **10:45:28**
